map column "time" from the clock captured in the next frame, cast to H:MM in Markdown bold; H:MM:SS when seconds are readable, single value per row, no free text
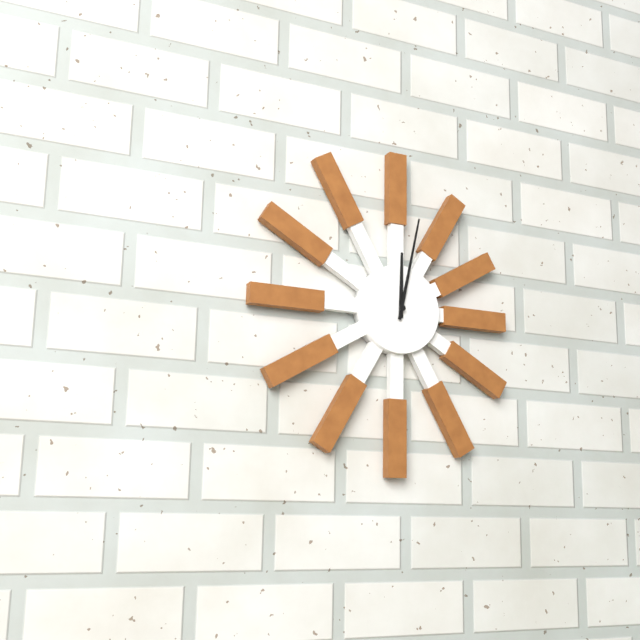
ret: **12:02**
